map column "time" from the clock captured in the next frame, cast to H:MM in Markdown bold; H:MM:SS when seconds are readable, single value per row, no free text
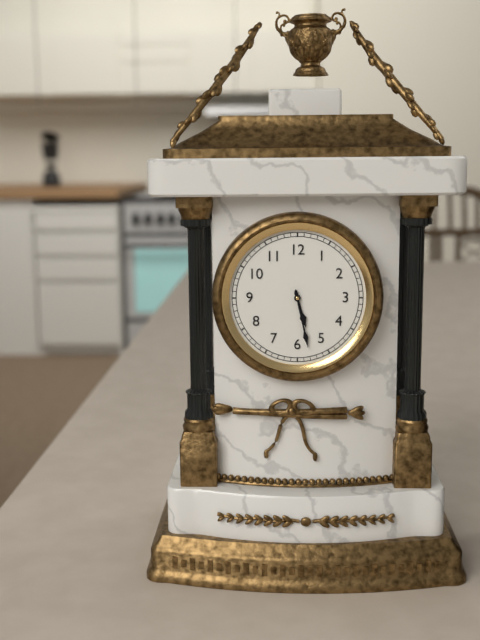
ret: **5:28**
